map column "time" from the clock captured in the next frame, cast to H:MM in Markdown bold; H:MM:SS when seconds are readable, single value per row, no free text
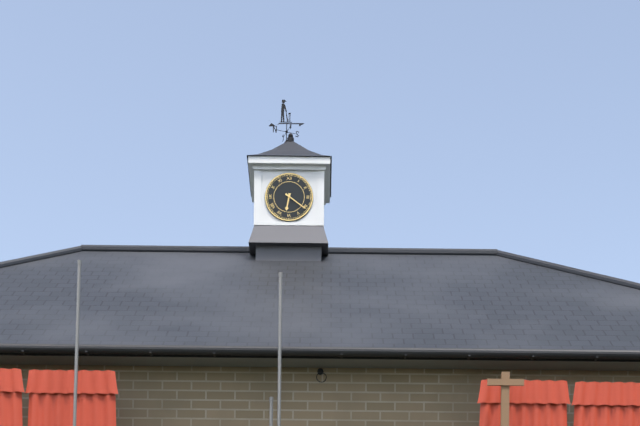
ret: **6:21**
